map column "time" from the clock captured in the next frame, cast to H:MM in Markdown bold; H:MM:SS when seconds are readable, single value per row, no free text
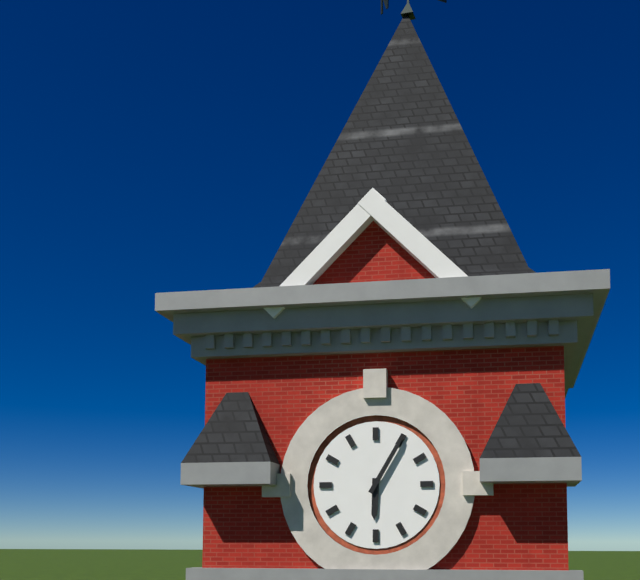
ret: **6:05**
